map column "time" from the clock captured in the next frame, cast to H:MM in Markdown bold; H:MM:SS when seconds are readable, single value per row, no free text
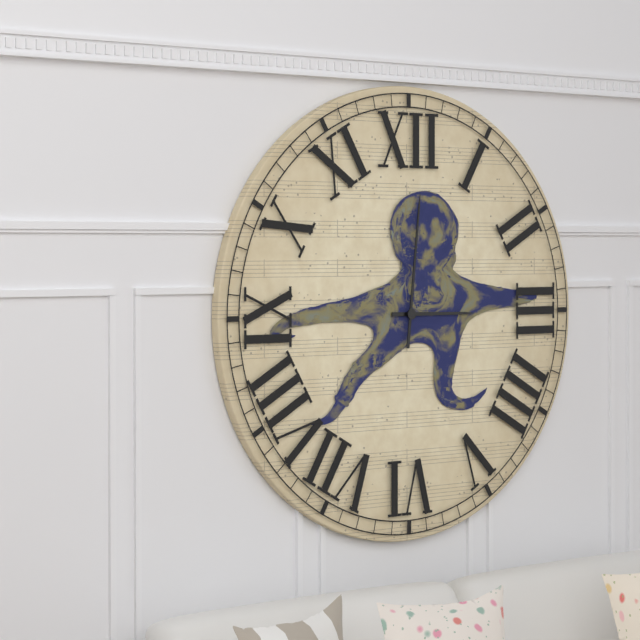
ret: **3:01**
